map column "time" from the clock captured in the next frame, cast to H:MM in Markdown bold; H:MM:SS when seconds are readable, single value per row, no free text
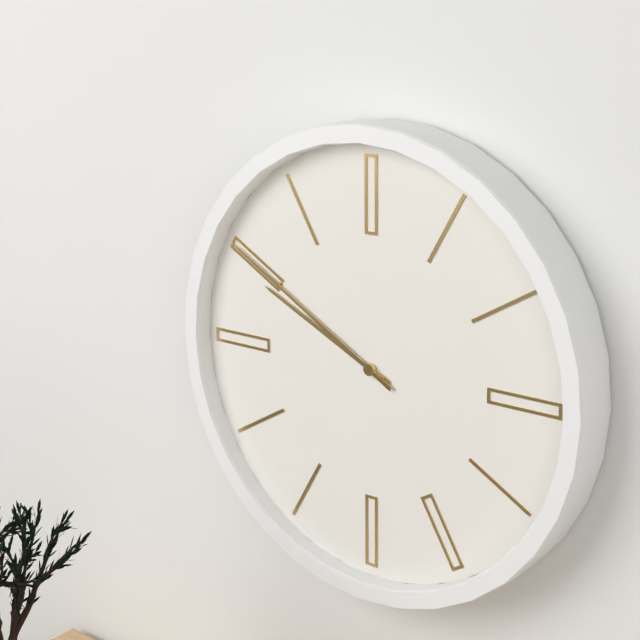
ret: **9:50**
